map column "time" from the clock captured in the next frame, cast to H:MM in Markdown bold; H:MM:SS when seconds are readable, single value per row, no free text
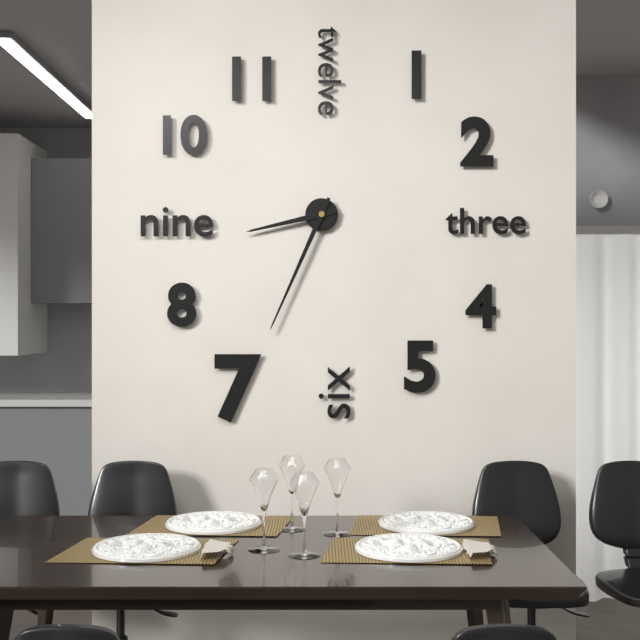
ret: **8:34**
